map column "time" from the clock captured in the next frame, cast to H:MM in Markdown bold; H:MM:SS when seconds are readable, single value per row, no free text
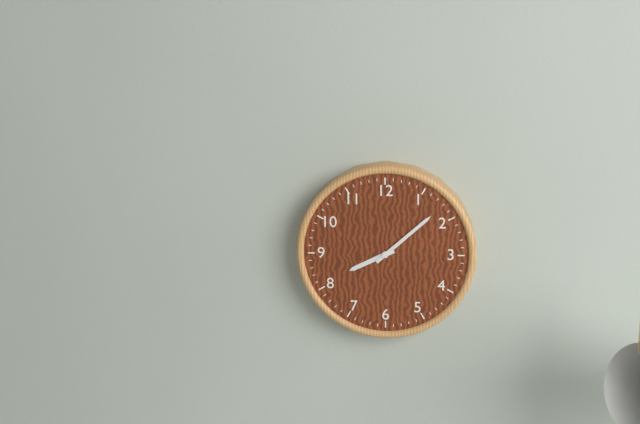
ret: **8:08**
